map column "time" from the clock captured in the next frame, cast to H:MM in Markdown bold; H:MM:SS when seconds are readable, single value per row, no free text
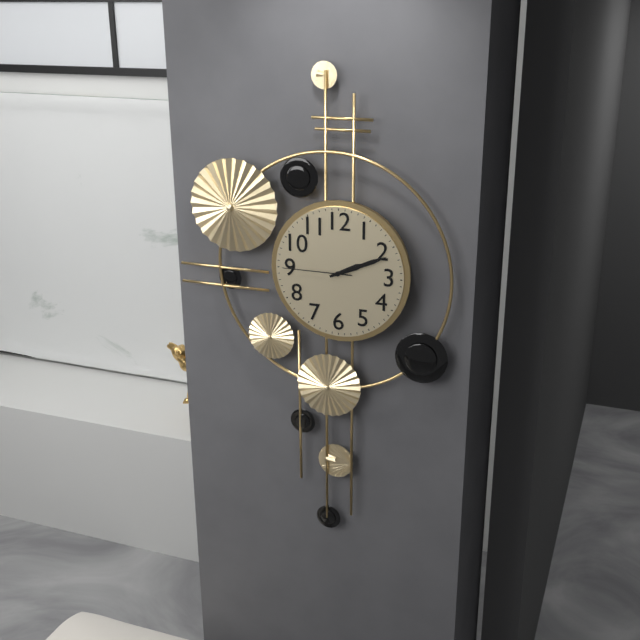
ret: **2:11:45**
